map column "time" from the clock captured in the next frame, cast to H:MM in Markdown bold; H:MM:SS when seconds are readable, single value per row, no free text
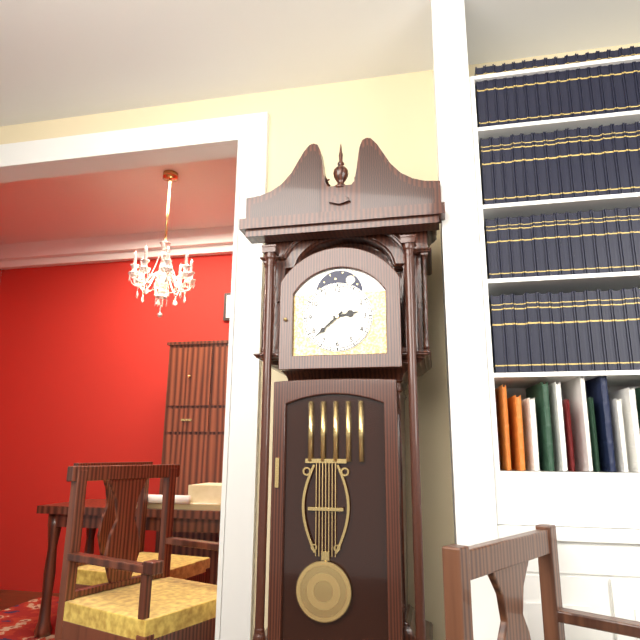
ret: **2:38**
